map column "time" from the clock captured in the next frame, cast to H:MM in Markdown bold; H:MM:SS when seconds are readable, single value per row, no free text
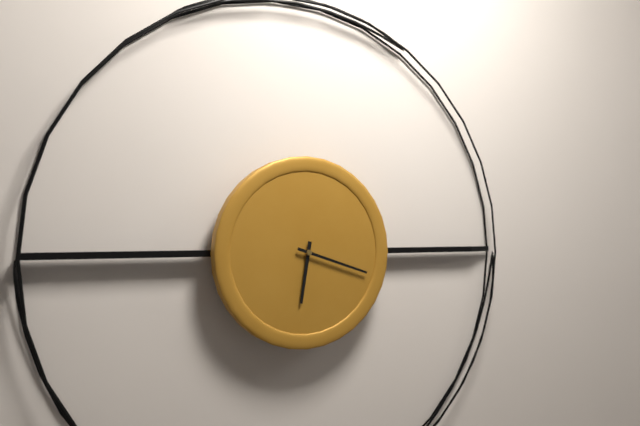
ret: **6:18**
